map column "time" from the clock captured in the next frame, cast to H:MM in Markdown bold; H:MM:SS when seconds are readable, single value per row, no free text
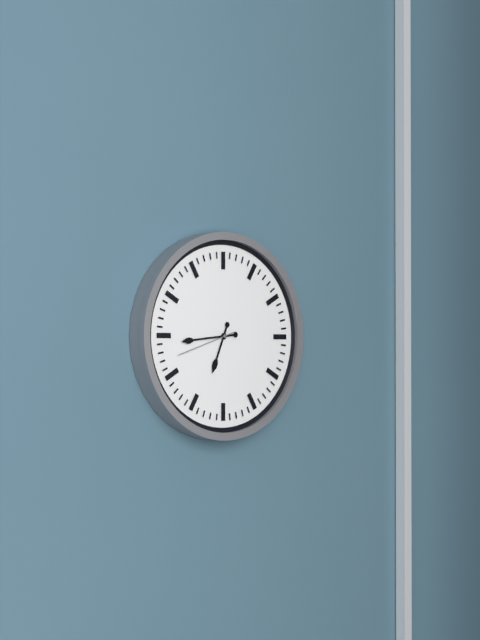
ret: **6:44:42**
